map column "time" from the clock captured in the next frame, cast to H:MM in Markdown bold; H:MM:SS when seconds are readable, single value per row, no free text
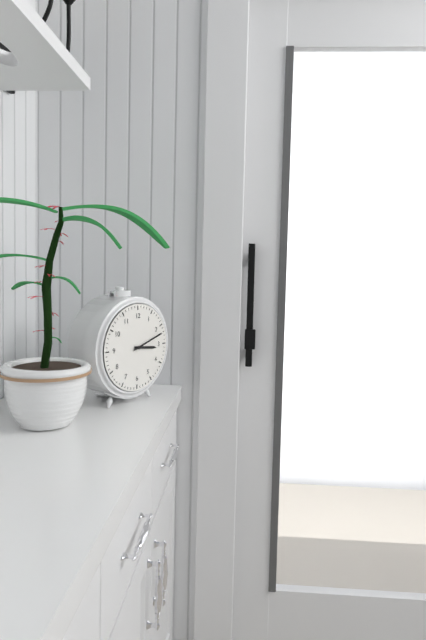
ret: **3:12**
